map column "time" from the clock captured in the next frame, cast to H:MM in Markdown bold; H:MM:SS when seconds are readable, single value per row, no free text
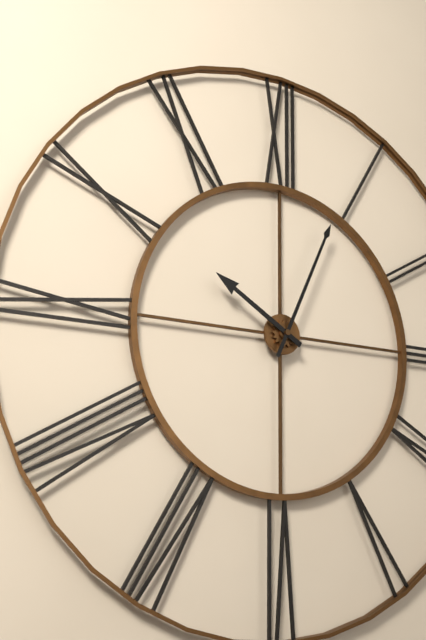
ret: **10:04**
